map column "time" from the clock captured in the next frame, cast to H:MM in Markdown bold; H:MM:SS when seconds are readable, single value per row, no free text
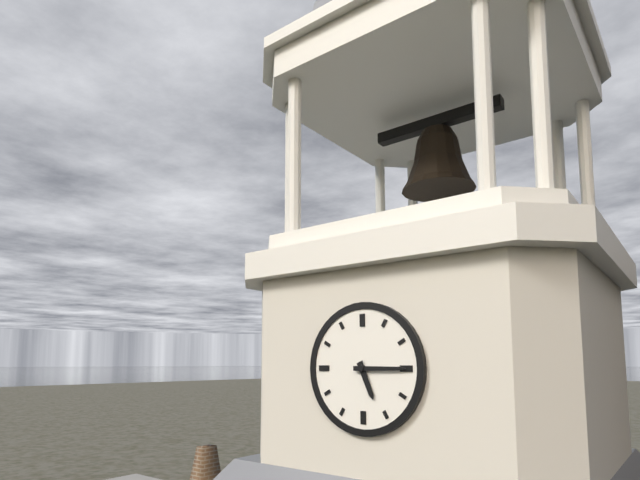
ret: **5:15**
